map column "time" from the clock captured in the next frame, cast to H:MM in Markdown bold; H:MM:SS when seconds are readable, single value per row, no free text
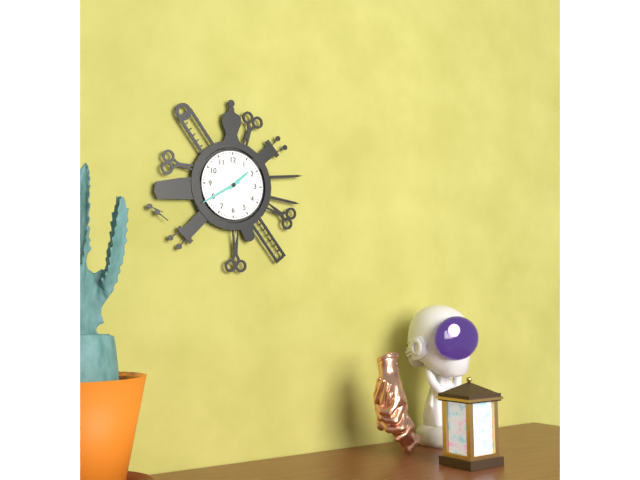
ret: **1:40**
